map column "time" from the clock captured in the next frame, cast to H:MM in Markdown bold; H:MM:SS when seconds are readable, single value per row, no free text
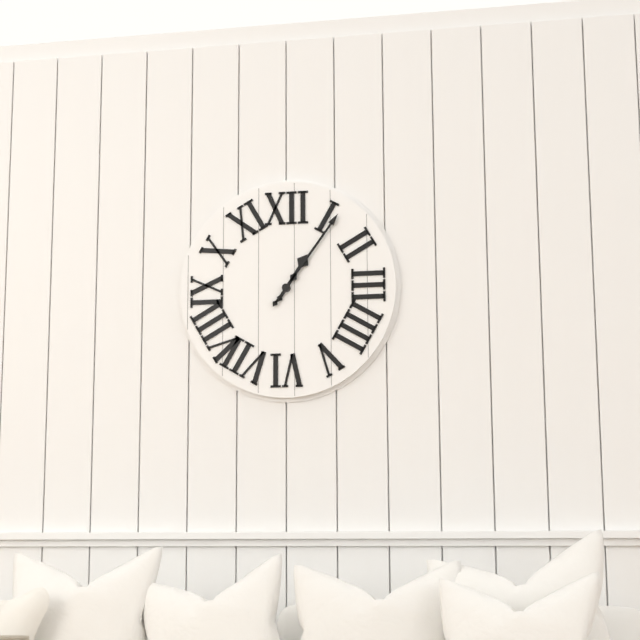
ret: **1:06**
